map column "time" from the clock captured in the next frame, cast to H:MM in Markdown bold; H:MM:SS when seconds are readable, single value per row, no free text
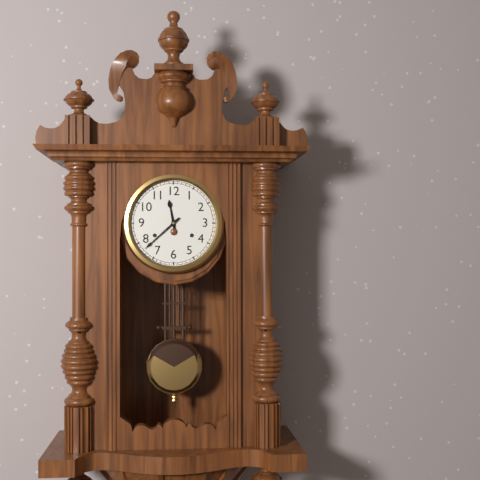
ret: **11:38**
